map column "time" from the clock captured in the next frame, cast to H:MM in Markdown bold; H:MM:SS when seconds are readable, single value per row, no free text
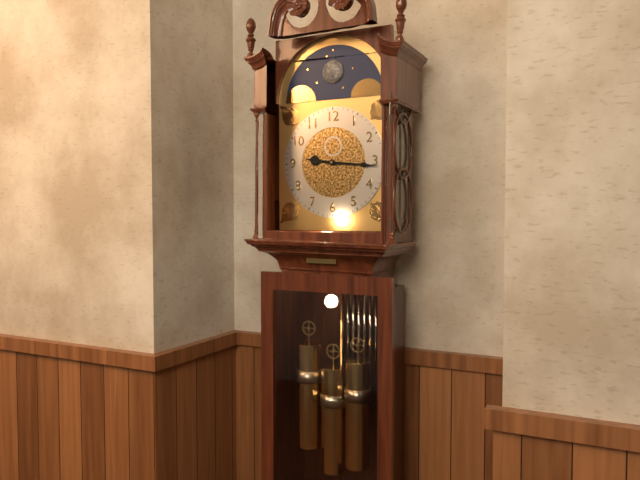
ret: **9:16**
